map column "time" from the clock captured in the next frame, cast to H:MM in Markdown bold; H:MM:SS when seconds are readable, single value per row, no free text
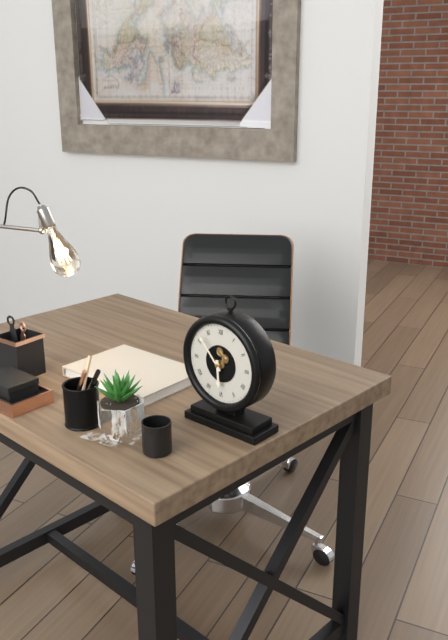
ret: **5:53**
